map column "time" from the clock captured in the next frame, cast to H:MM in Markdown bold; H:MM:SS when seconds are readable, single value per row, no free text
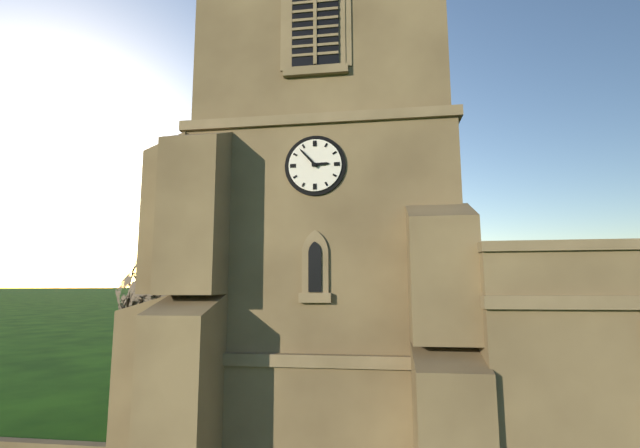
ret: **2:53**
